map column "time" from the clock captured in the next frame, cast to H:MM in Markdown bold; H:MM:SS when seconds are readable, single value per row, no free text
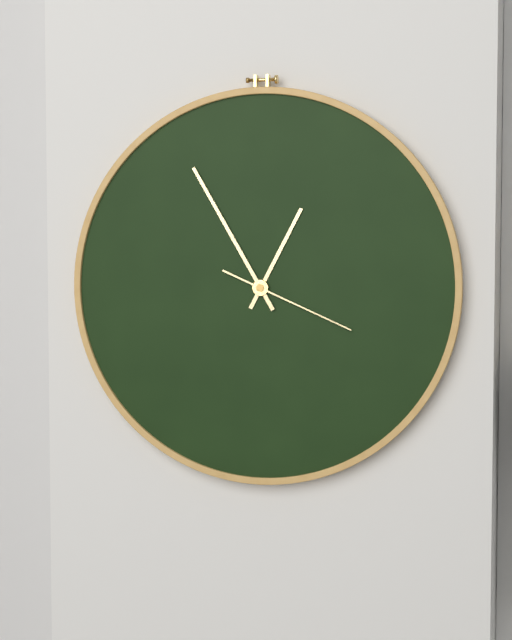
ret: **12:55:19**
